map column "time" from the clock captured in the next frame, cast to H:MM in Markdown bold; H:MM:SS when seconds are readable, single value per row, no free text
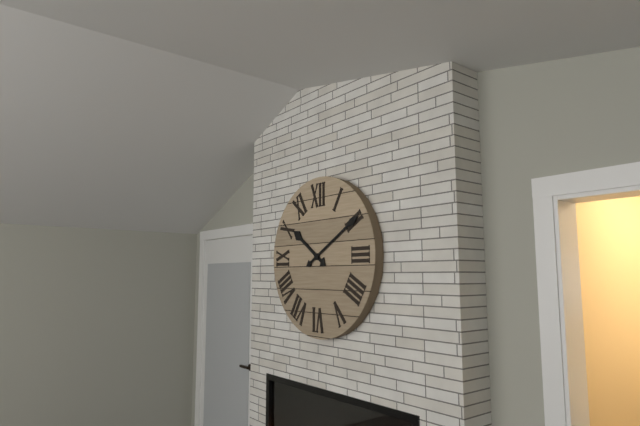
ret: **10:10**
